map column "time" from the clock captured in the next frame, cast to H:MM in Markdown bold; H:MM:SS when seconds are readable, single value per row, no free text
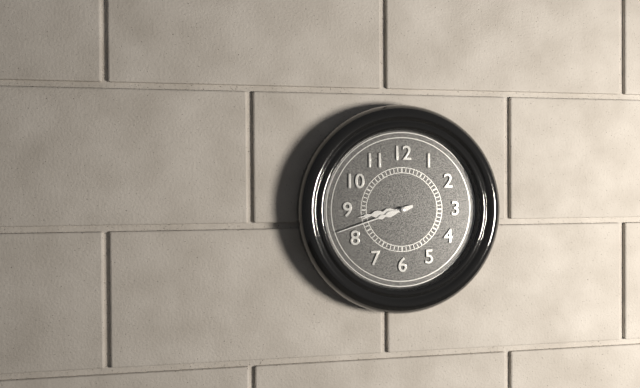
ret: **8:42**
